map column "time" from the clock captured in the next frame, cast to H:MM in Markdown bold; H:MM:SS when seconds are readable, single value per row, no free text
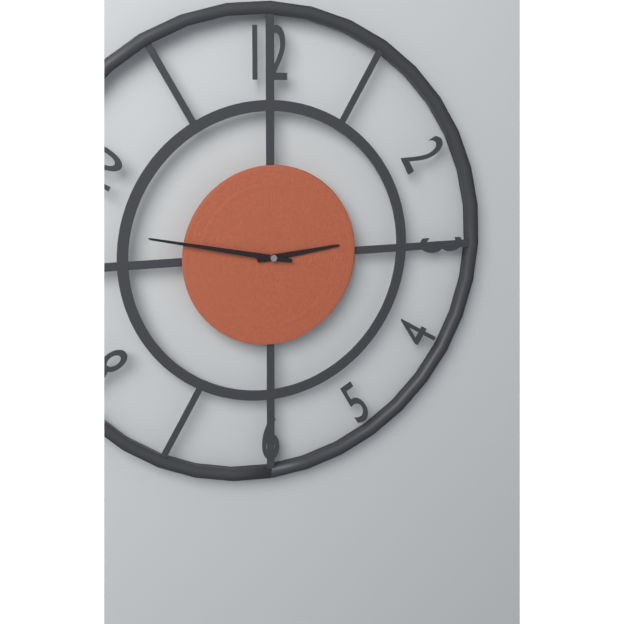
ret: **2:47**
